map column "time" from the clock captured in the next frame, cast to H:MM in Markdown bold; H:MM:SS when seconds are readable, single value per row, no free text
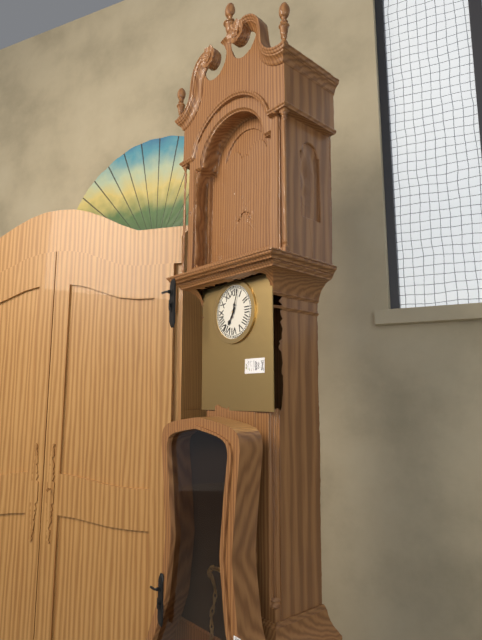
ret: **7:03**
